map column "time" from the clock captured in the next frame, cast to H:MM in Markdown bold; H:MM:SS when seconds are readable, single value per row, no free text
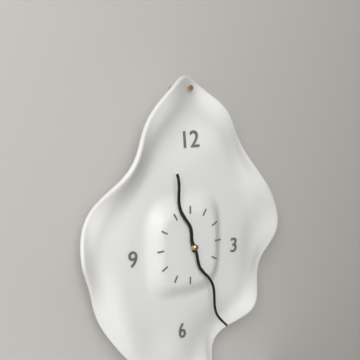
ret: **11:26**
